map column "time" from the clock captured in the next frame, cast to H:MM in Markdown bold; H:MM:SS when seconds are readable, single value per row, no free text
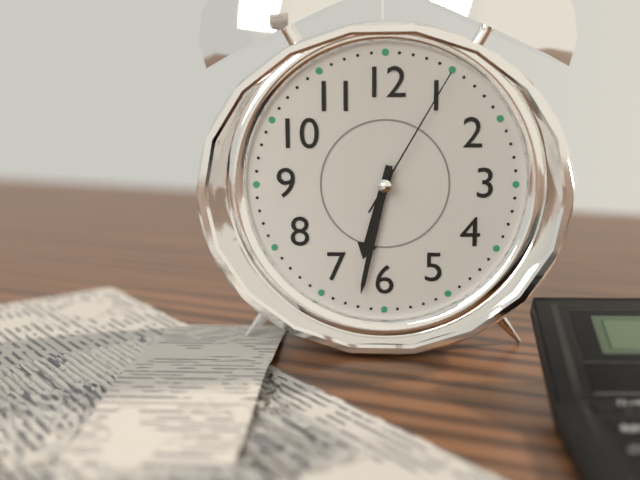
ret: **6:32:05**
